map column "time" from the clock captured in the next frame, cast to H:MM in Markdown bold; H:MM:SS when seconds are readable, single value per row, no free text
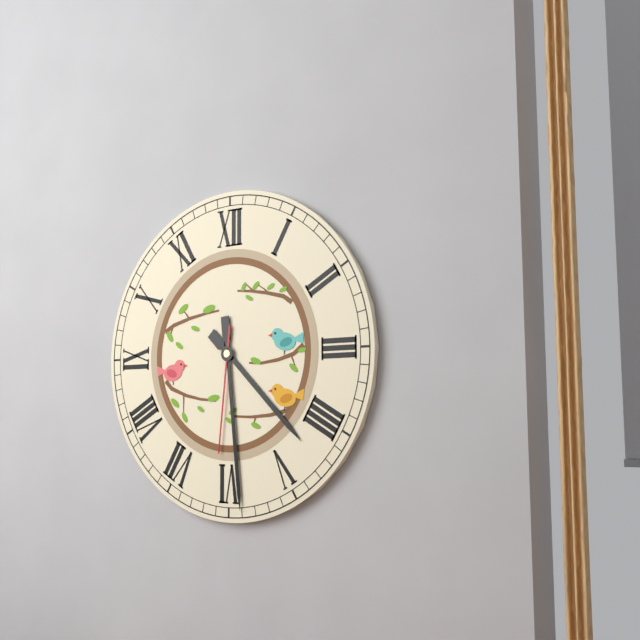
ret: **4:29:31**
